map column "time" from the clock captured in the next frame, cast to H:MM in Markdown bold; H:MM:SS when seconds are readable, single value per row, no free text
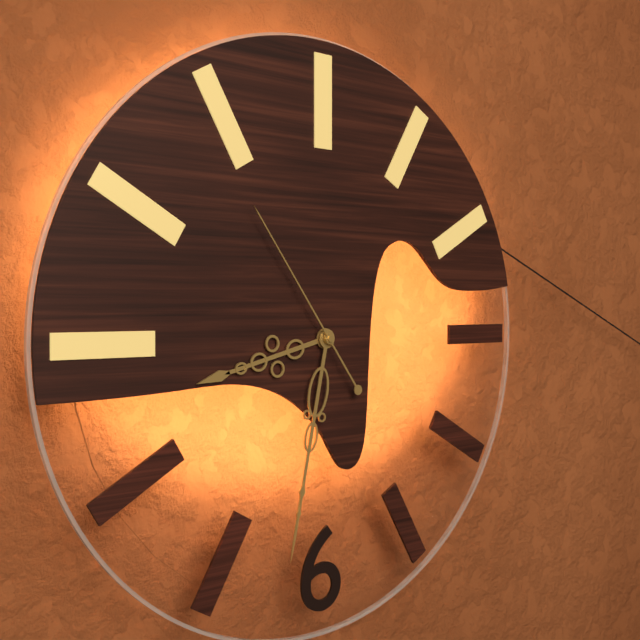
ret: **8:32:54**
